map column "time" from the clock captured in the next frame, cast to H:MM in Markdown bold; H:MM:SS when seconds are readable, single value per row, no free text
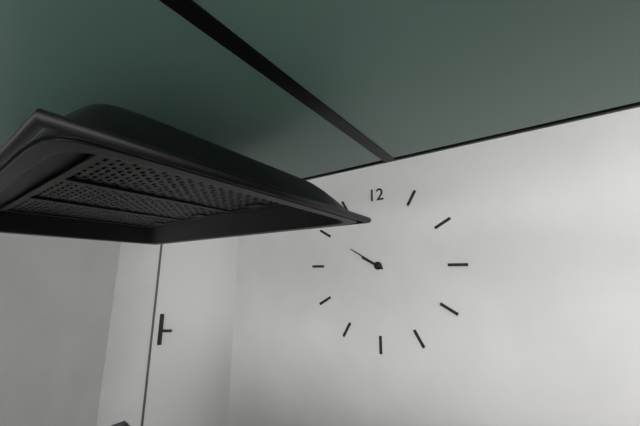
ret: **9:50**
